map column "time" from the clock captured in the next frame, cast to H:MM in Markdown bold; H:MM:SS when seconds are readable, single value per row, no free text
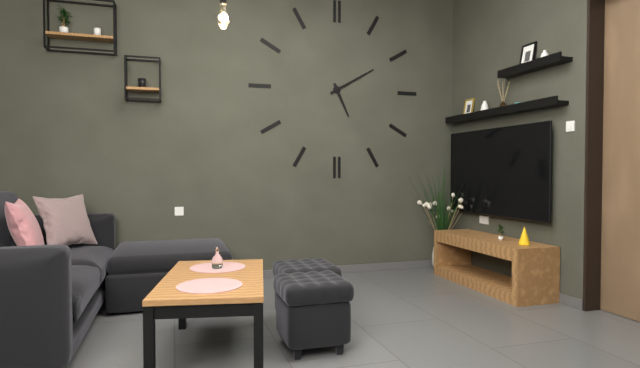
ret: **5:10**
